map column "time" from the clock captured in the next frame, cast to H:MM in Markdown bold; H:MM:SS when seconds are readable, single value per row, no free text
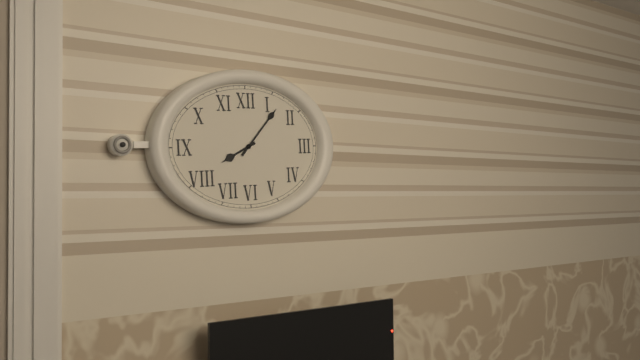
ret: **8:07**
